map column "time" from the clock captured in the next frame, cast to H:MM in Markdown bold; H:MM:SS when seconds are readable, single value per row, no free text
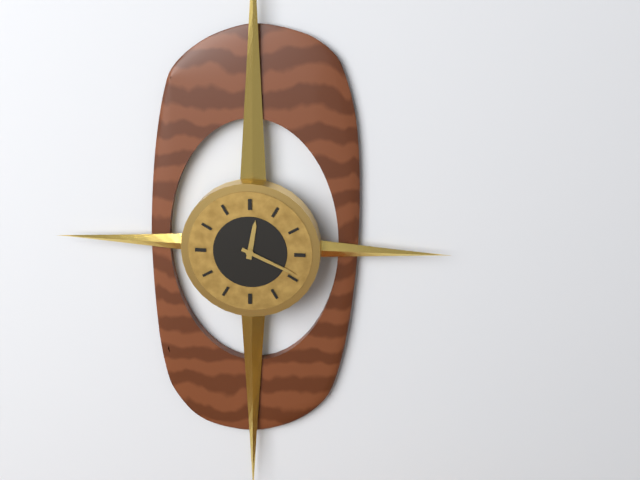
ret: **12:19**
